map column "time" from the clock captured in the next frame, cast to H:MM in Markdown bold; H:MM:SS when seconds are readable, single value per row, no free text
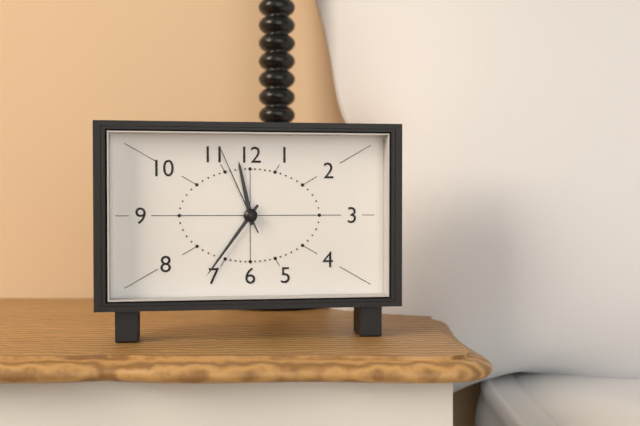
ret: **11:36:56**
